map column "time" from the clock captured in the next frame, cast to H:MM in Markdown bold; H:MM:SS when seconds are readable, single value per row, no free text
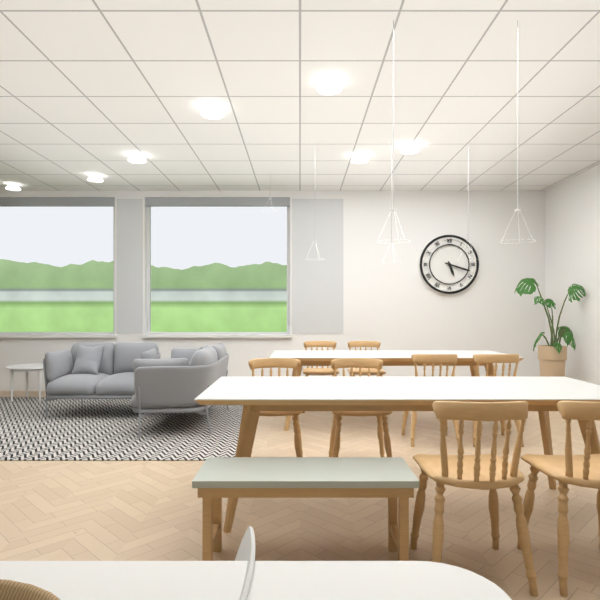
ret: **5:18**
